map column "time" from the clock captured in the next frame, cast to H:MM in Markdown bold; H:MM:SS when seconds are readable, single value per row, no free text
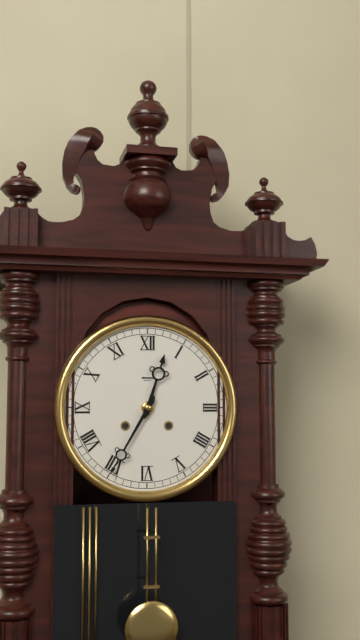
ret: **12:35**
